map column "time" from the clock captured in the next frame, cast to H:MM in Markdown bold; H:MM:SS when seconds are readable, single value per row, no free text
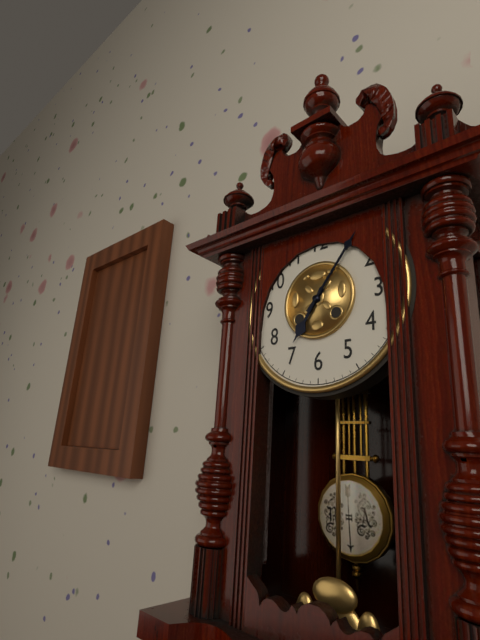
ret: **7:06**
